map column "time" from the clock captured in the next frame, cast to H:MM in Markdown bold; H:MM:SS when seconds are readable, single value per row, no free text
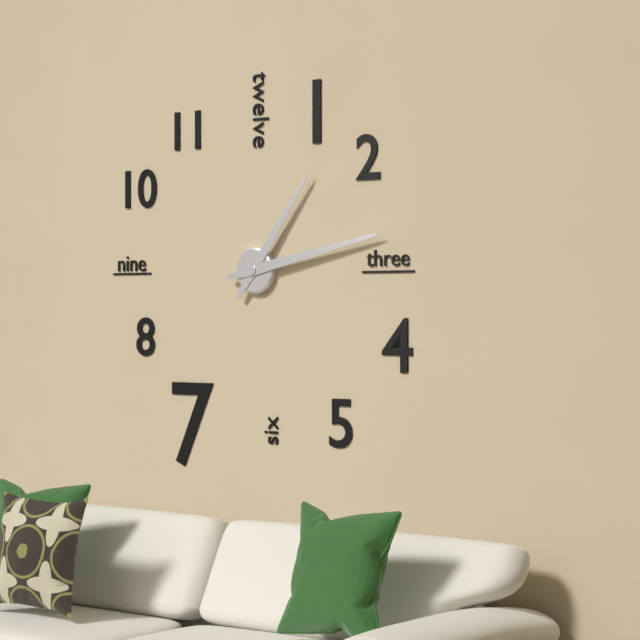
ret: **1:13**
